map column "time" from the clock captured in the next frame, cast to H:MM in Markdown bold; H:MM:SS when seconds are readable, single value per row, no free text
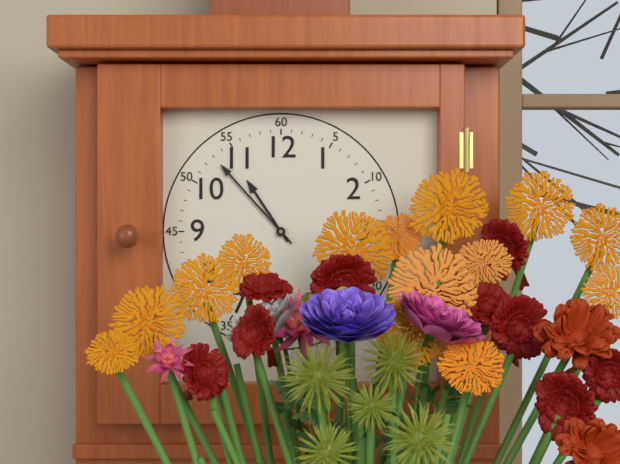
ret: **10:53**
